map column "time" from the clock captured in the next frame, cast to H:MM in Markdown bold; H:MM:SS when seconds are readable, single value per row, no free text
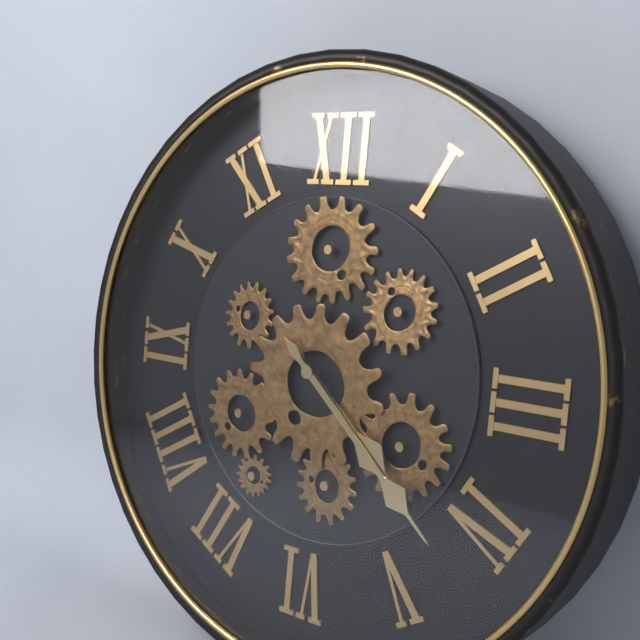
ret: **4:22**
